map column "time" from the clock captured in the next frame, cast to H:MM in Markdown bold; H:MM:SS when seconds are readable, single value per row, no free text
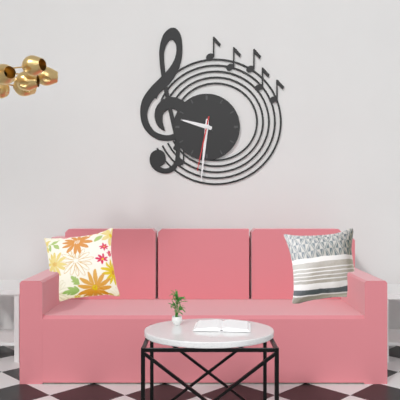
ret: **9:31:32**
